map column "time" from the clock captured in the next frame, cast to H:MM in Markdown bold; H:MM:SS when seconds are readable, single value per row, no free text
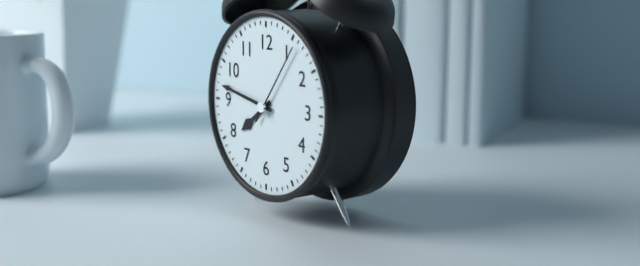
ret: **7:47:06**
